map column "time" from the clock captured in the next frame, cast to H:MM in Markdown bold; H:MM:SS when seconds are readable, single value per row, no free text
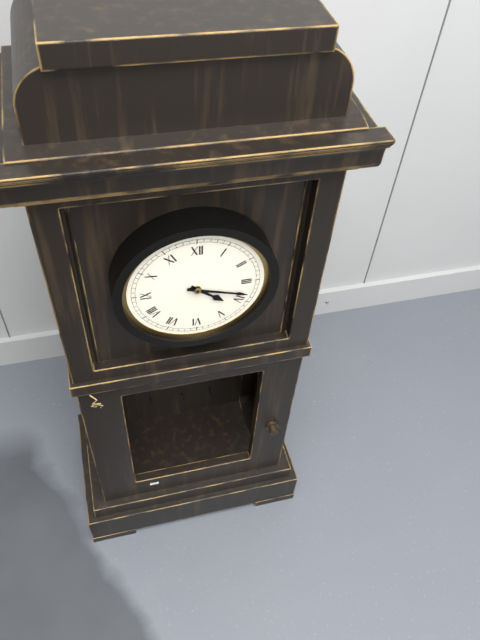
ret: **4:18**
